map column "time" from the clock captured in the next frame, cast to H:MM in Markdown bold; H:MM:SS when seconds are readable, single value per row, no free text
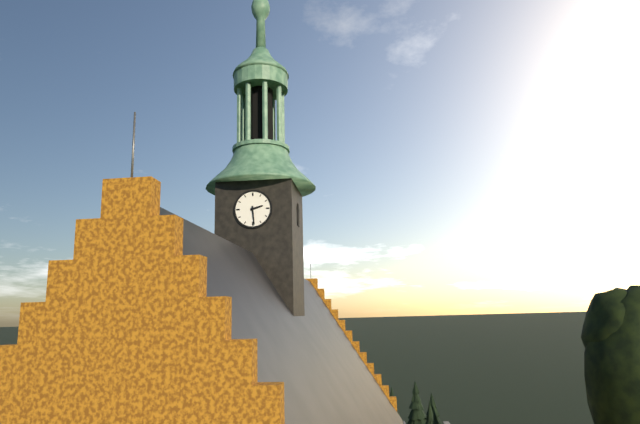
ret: **2:29**
